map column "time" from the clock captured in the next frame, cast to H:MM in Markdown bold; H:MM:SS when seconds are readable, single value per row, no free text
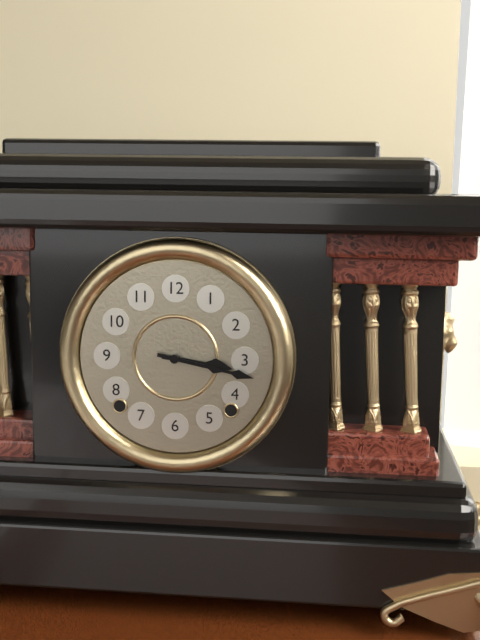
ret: **3:17**
